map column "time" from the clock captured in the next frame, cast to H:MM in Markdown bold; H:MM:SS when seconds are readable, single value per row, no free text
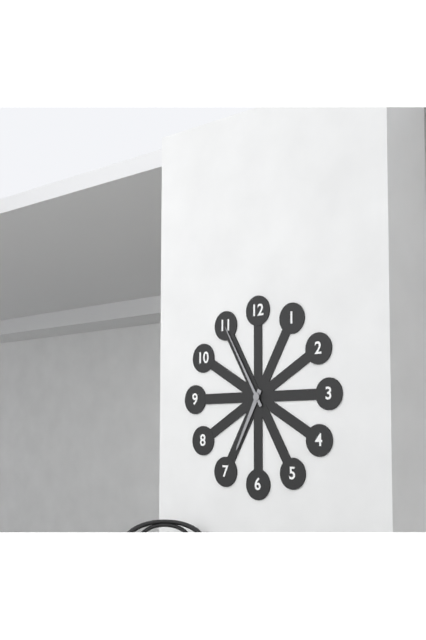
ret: **6:55**
